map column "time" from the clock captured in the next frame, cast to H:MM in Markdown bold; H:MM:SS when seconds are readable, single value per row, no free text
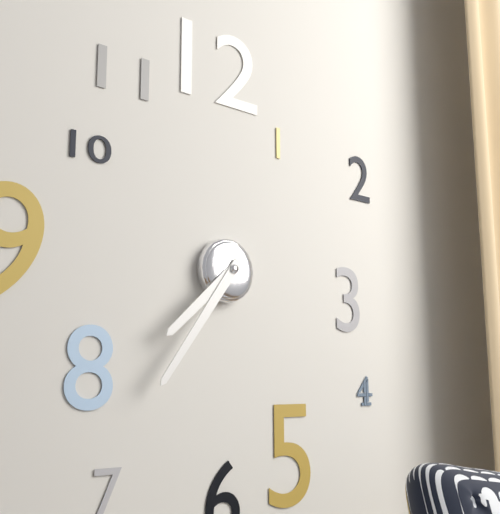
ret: **7:36**
